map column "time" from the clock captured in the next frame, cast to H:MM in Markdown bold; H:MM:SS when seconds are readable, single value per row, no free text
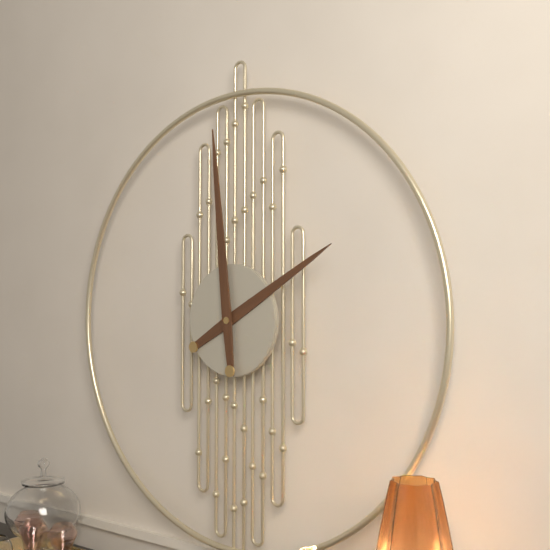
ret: **1:59**
